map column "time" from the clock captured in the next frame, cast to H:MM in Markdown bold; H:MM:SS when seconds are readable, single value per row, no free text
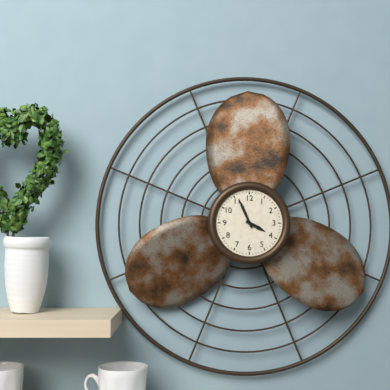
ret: **3:56**
